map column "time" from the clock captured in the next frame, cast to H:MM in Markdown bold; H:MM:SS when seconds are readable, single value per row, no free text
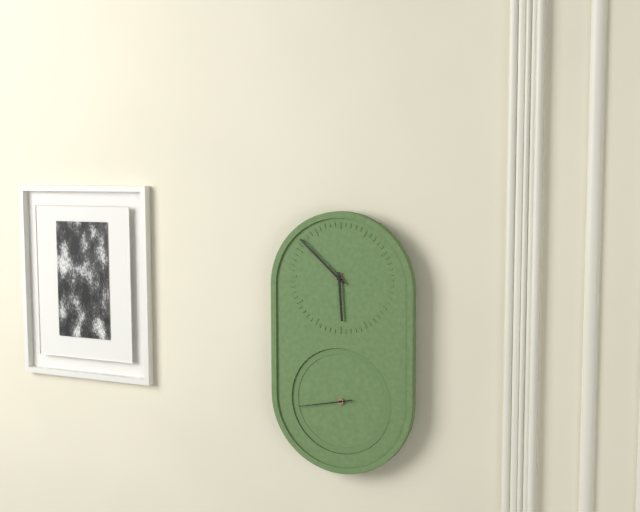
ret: **5:52:43**
